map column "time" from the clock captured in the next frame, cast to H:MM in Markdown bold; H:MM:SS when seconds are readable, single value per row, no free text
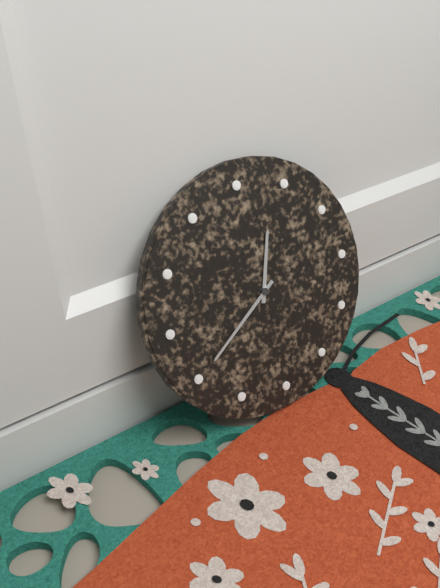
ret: **12:40**
